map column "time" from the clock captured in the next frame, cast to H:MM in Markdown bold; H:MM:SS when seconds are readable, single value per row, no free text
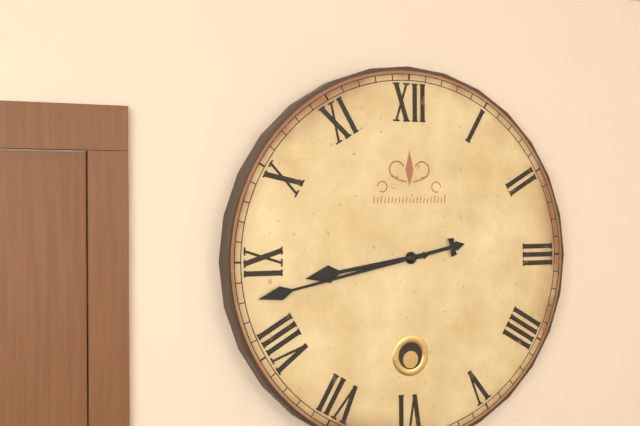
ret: **8:43**
